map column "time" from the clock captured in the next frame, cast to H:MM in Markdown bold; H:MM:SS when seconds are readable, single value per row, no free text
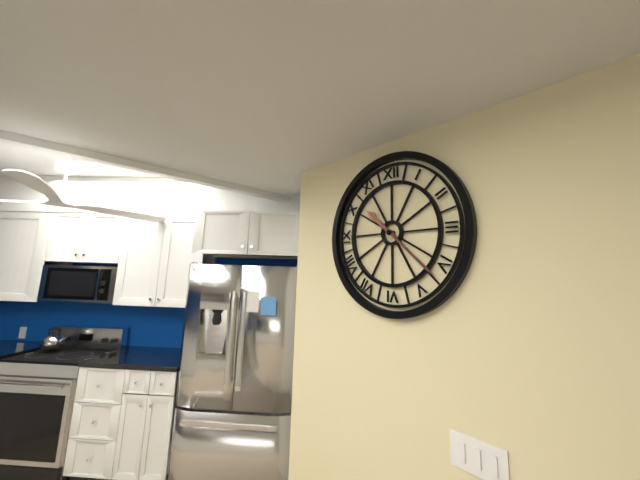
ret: **10:22**
